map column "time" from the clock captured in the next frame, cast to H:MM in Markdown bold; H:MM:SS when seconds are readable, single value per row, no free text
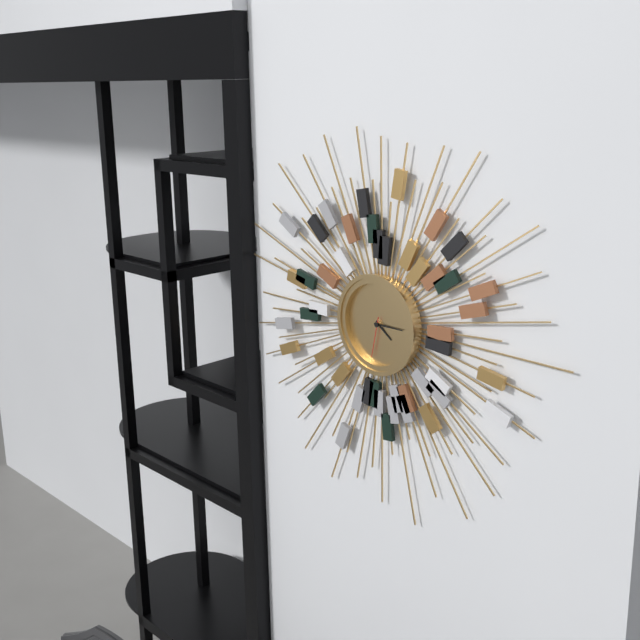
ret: **4:15**
